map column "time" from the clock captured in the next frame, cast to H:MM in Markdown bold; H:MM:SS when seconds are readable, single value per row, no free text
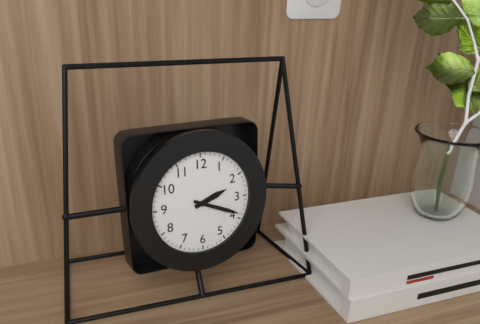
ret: **2:19**
